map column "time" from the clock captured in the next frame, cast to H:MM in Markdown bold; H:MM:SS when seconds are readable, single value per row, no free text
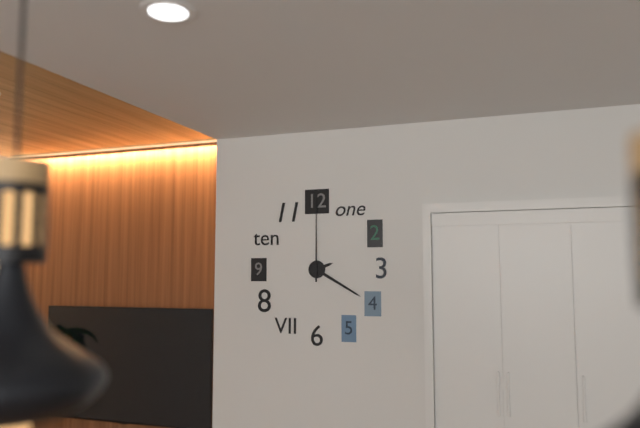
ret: **2:20:00**
